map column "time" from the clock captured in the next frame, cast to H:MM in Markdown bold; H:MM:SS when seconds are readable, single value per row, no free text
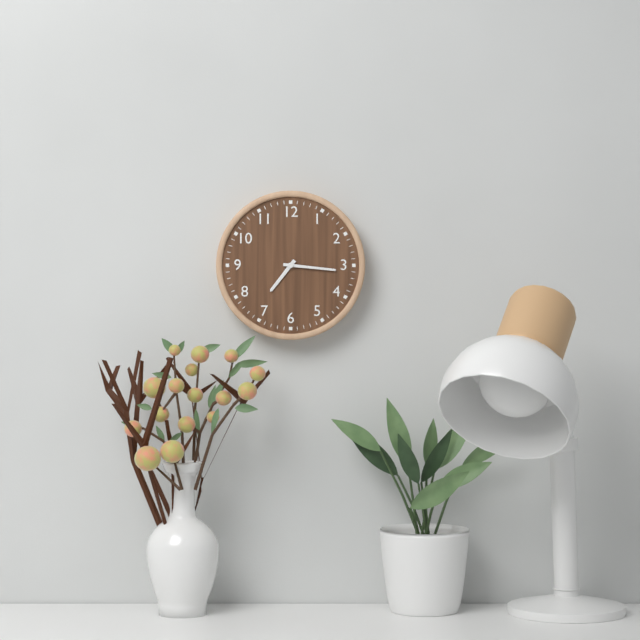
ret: **7:16**
